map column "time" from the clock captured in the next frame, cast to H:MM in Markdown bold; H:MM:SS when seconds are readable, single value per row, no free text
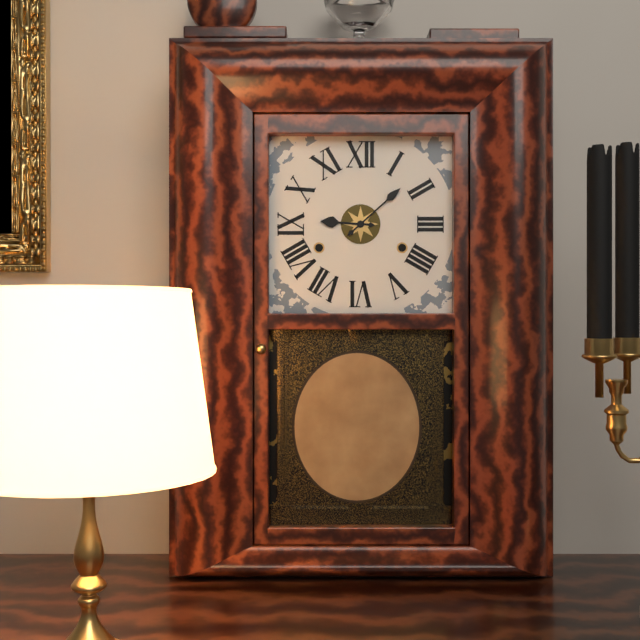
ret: **9:08**
